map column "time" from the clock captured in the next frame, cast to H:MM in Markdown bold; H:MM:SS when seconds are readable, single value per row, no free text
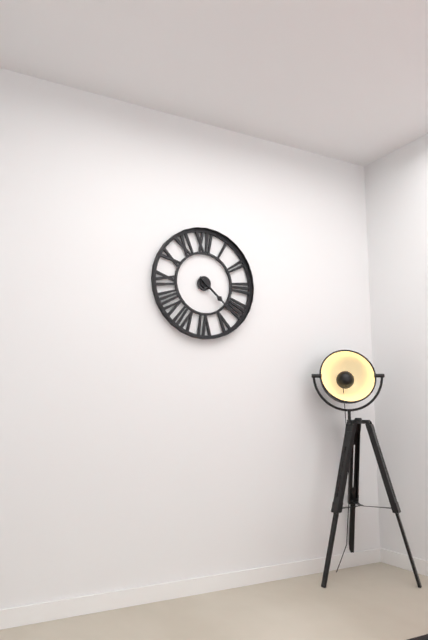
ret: **4:22**
